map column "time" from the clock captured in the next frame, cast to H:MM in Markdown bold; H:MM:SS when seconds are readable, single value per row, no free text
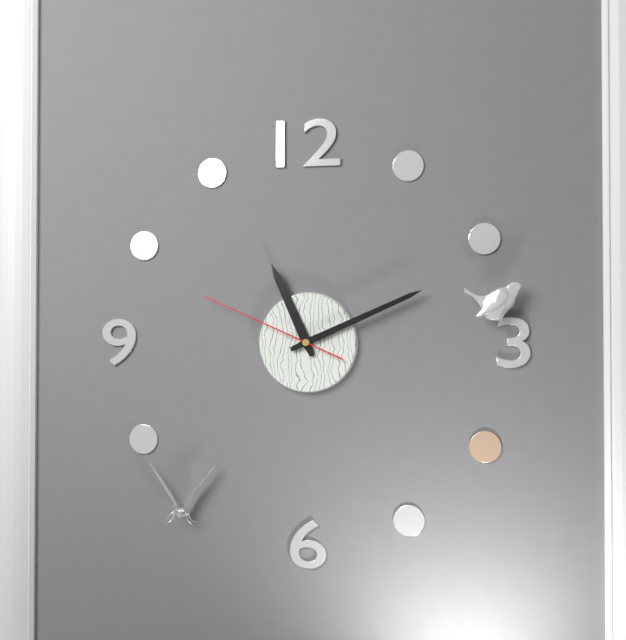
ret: **11:11:49**
